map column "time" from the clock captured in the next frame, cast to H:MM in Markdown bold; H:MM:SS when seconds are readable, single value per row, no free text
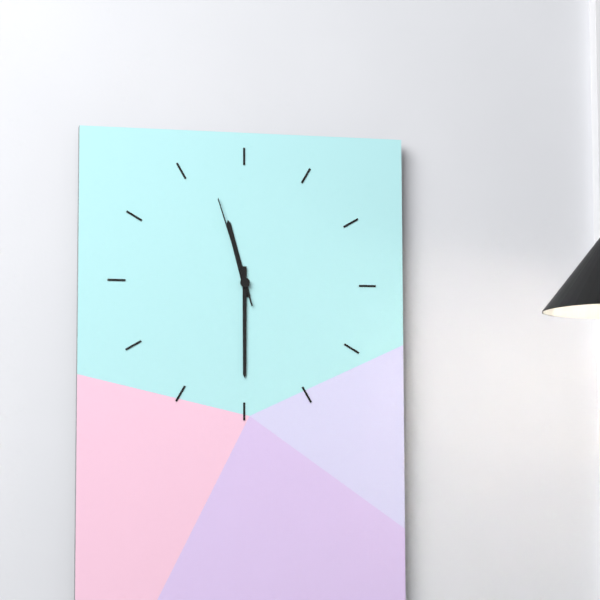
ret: **11:30:57**
